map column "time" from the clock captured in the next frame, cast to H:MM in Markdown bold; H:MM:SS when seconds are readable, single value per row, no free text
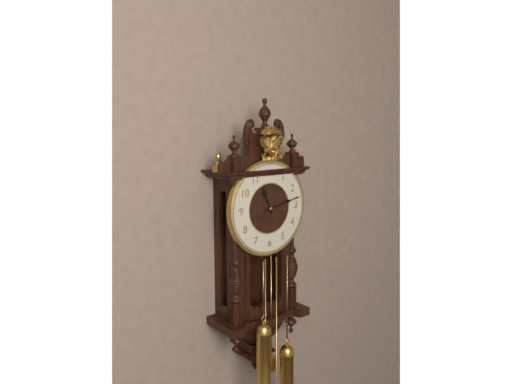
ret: **11:13**
